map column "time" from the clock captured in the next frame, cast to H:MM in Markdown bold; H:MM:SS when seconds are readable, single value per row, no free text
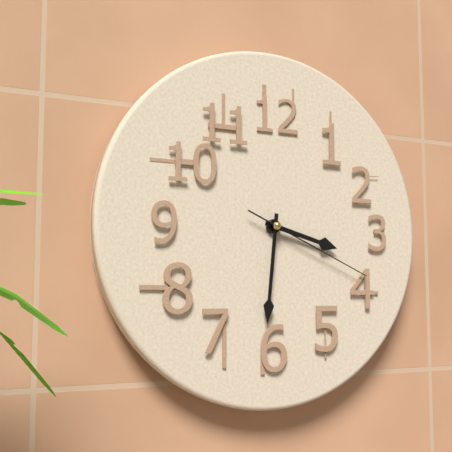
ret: **3:31:19**
